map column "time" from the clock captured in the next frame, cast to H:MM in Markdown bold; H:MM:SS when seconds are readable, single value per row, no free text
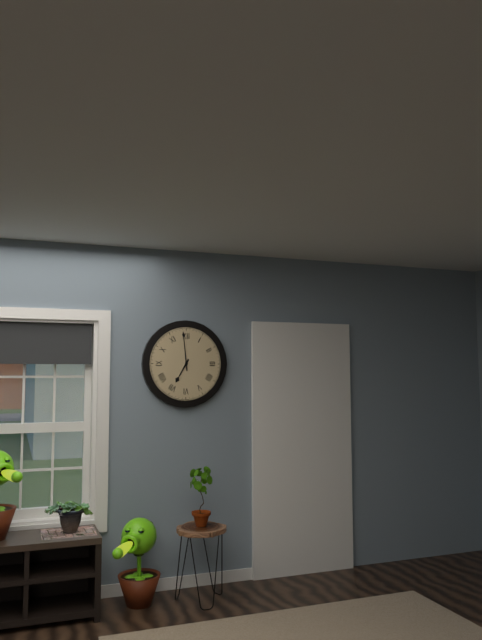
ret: **6:59**
